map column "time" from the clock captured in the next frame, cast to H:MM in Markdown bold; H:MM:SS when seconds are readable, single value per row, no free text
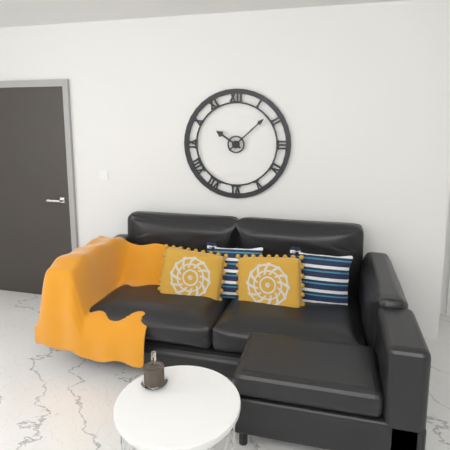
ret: **10:08**
